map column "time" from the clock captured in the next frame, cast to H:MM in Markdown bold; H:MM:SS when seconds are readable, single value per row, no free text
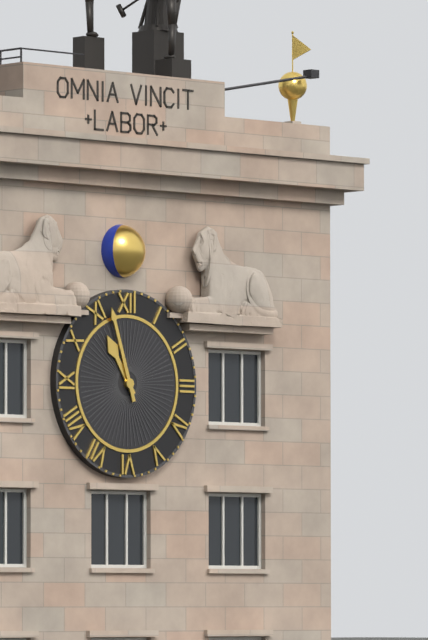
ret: **10:57**
